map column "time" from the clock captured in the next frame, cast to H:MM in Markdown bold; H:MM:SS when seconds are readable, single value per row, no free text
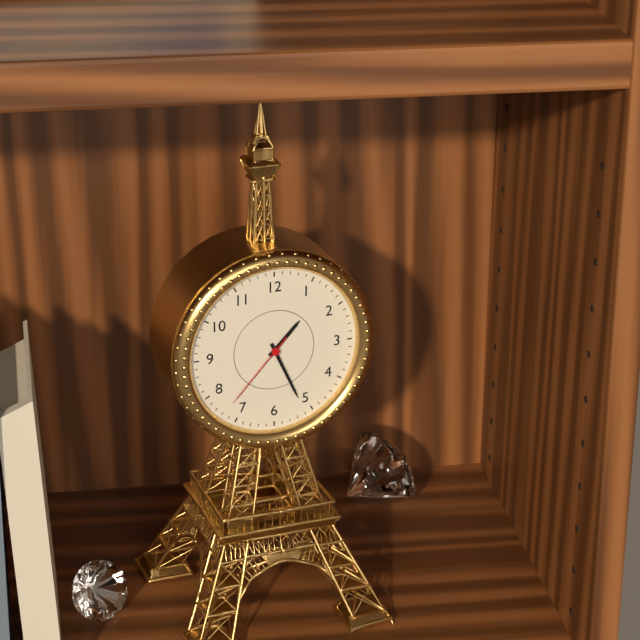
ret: **1:26:37**
